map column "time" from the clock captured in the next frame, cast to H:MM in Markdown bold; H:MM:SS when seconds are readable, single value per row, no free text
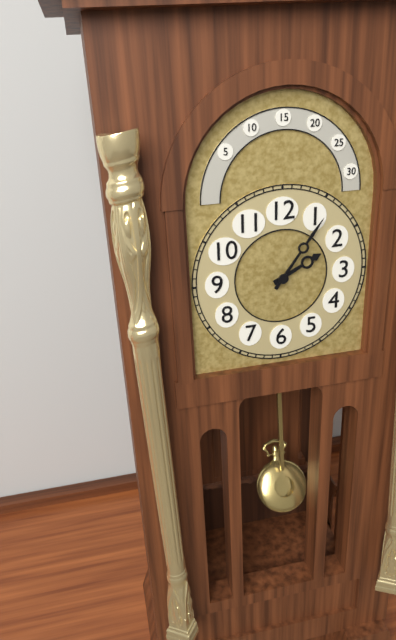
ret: **2:06**
